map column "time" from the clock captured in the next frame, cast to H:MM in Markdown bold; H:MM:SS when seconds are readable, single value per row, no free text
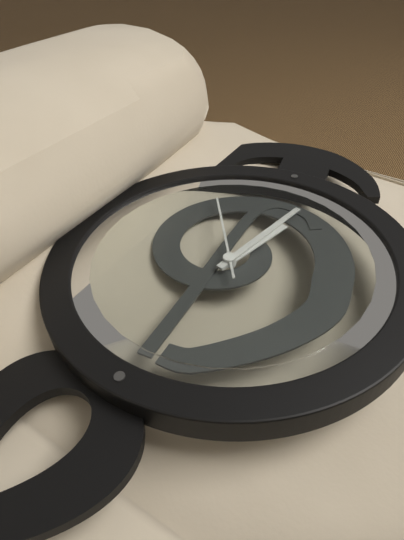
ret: **6:32:24**
